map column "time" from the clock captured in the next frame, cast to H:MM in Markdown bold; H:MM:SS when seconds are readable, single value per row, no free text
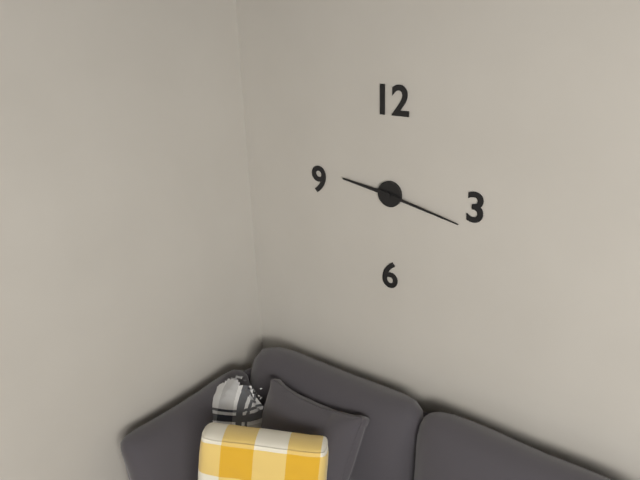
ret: **9:17**
